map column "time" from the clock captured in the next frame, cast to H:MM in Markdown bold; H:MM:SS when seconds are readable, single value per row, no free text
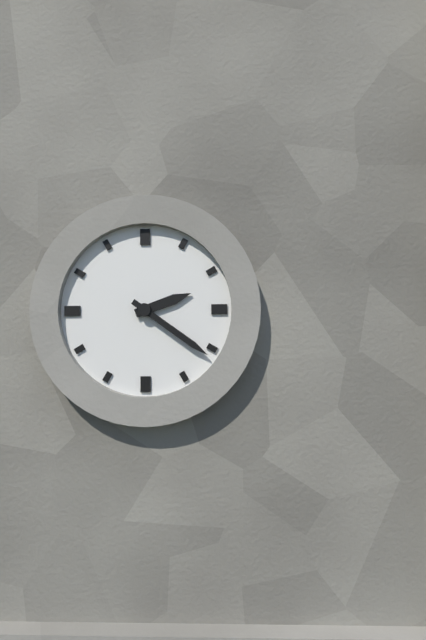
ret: **2:21**
